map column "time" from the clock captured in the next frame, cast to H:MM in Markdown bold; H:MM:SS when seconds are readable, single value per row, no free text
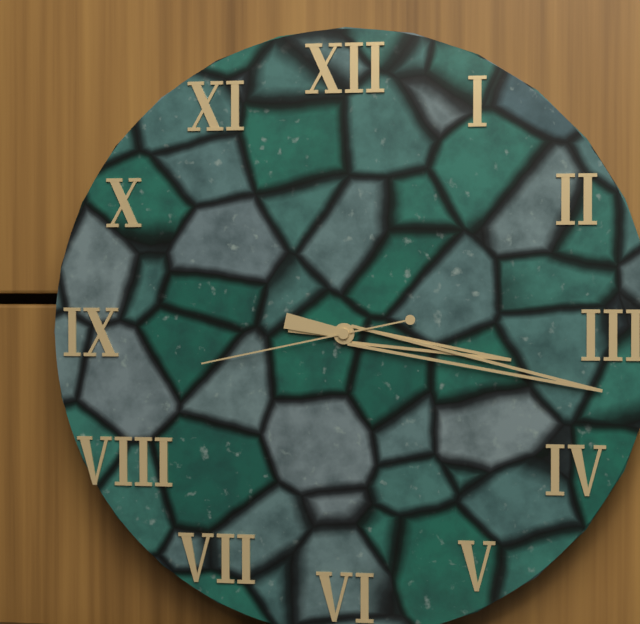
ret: **3:17:43**
